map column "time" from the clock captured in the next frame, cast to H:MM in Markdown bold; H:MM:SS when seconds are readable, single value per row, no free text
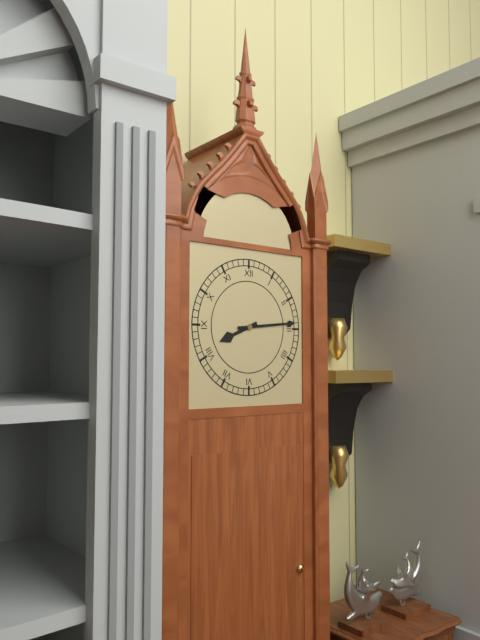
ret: **8:14**
